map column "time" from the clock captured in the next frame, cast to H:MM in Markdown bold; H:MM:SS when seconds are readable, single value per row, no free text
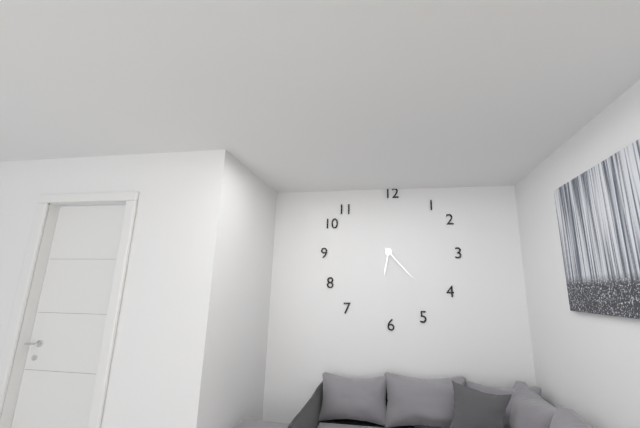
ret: **6:23**
